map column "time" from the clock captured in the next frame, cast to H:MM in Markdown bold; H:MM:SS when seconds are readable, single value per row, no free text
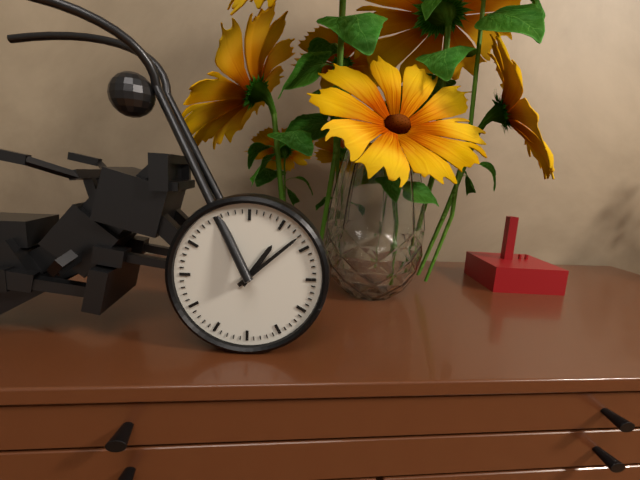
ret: **1:08**
